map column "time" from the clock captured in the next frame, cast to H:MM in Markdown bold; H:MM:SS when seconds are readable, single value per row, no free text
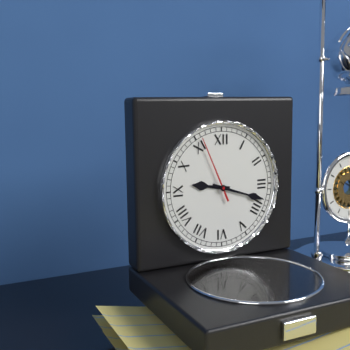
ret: **9:18:56**
